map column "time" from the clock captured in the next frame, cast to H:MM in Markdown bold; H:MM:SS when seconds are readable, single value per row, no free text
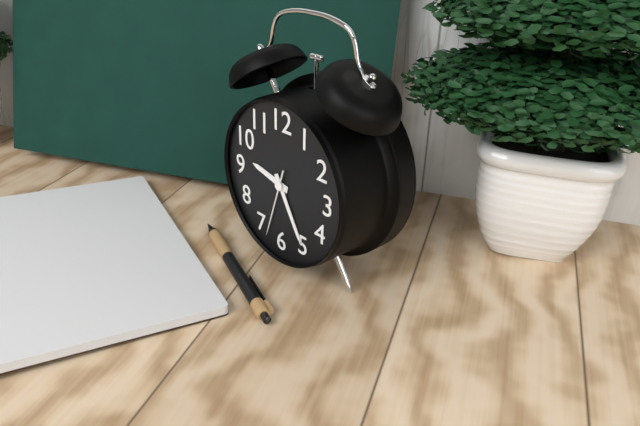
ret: **9:25:33**
